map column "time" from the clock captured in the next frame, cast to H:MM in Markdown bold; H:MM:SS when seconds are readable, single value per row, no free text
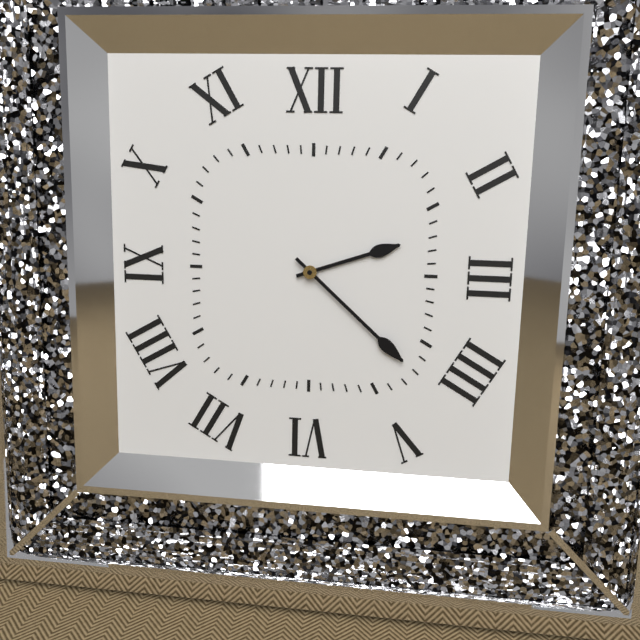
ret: **2:22**
